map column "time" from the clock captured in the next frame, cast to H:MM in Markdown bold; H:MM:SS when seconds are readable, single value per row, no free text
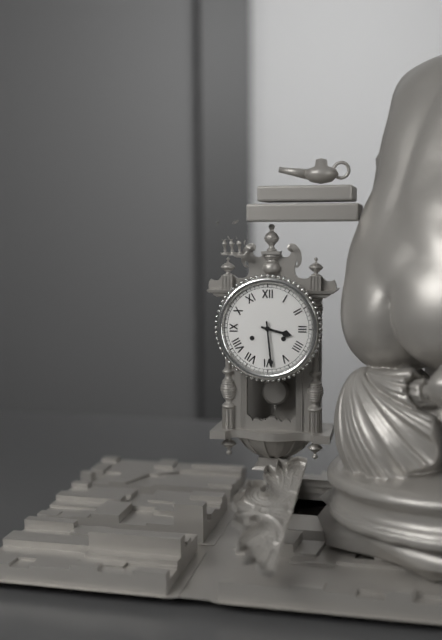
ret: **3:29**
